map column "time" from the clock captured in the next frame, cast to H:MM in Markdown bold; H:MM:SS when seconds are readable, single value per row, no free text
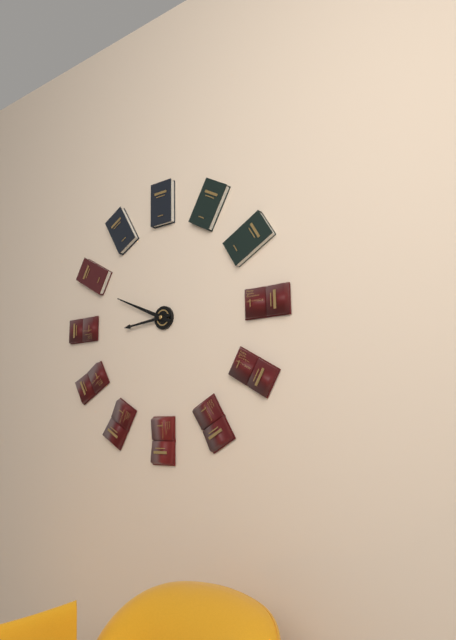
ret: **8:49**
